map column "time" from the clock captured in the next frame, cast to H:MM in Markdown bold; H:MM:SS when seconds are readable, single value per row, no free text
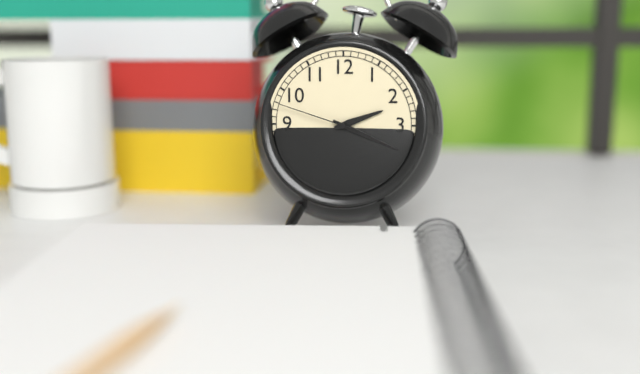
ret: **2:19:48**
